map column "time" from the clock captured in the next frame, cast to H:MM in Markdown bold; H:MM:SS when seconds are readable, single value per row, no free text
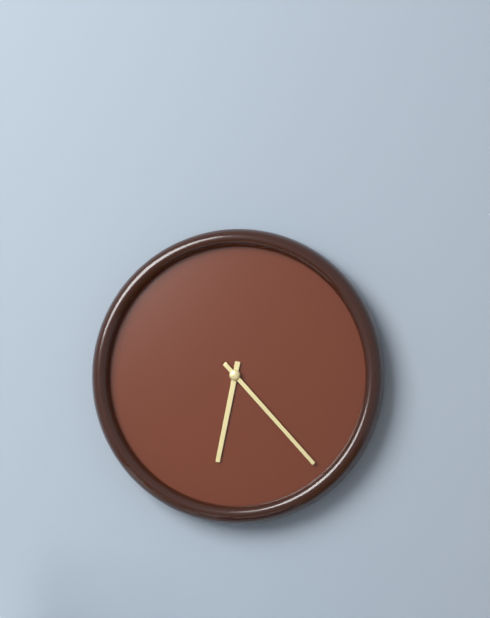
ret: **6:23**
